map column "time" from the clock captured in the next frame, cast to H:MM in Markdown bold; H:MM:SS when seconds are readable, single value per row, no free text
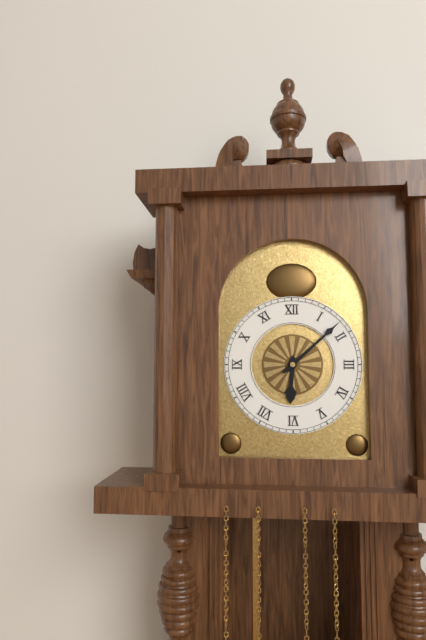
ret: **6:08**
